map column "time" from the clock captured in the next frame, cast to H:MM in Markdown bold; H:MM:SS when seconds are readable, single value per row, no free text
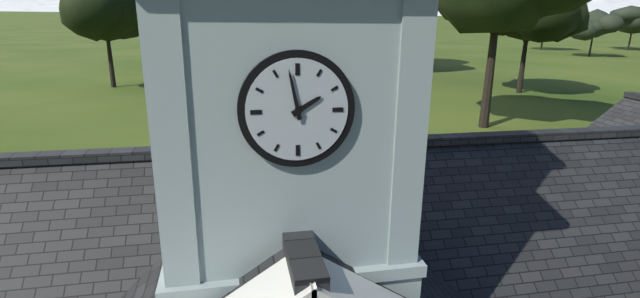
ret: **1:58**
